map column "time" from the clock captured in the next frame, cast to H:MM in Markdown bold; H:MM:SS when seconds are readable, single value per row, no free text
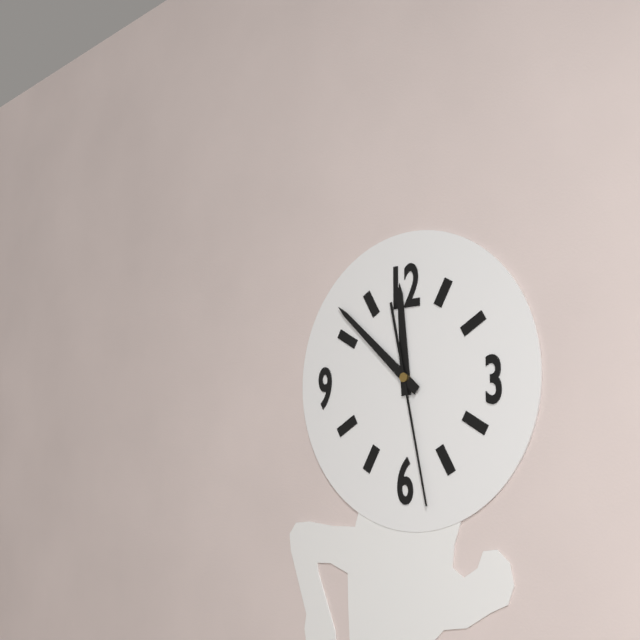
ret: **11:52:28**
